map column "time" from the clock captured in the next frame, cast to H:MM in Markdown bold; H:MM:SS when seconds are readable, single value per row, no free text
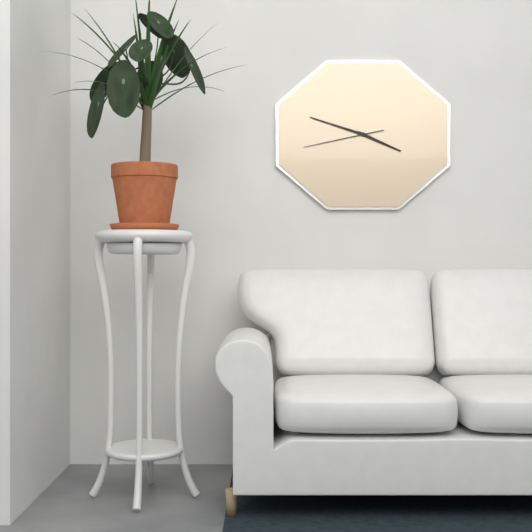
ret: **3:48:43**
